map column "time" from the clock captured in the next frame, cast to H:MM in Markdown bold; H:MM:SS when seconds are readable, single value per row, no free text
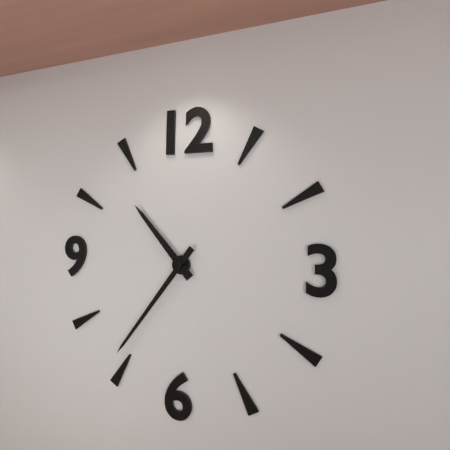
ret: **10:36**
